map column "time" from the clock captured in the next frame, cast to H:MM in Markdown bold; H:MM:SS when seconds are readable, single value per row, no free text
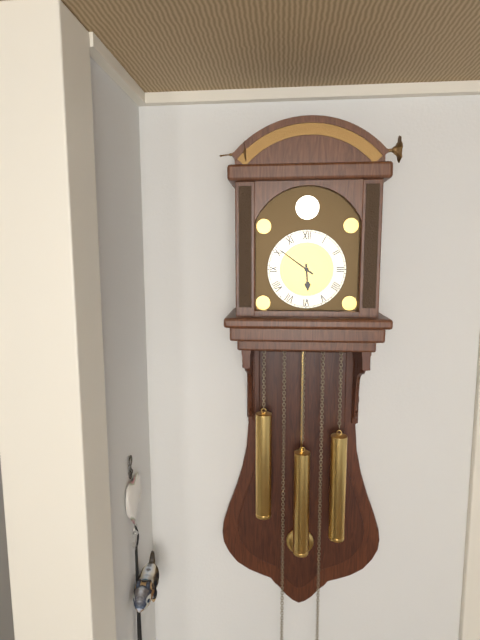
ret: **5:51**
